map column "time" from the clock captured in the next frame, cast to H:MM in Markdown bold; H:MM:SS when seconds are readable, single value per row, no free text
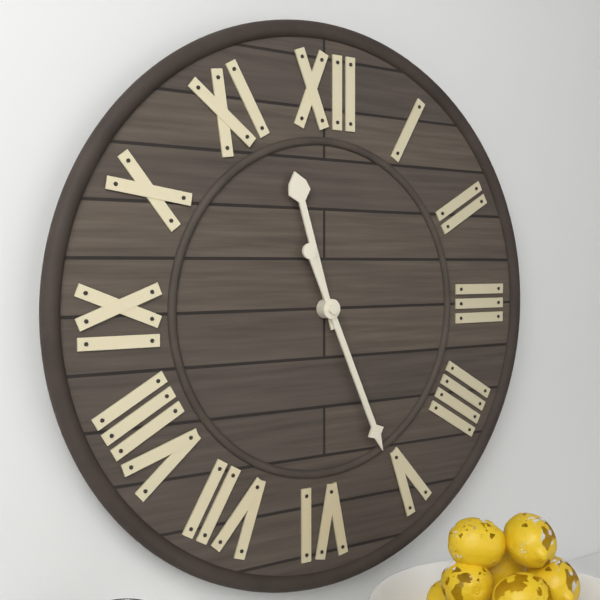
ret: **11:26**
